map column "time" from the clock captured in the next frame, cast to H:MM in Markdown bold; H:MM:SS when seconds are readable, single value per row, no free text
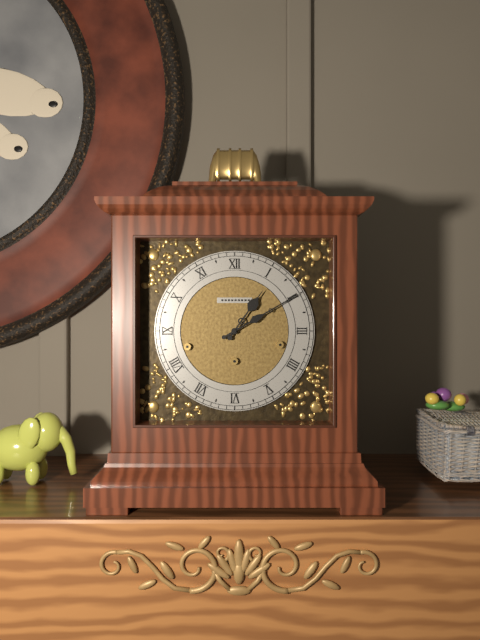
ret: **1:10**
